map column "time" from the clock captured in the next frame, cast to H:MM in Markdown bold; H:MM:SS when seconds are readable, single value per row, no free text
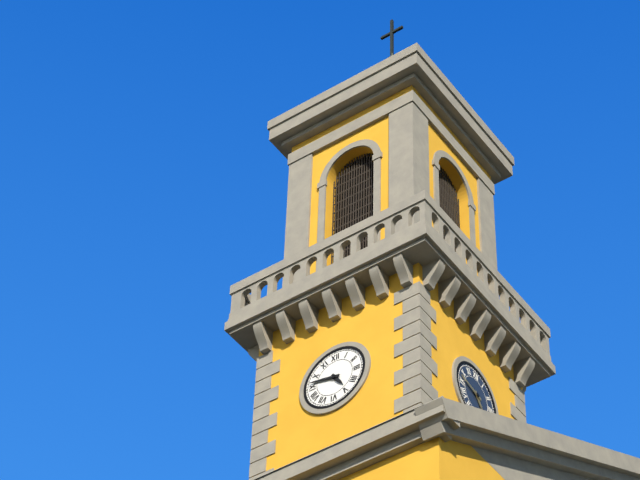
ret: **4:47**
